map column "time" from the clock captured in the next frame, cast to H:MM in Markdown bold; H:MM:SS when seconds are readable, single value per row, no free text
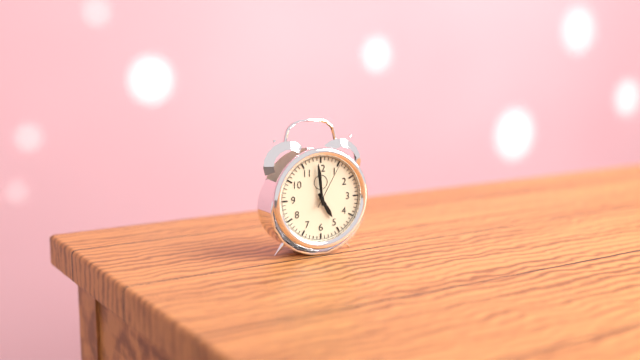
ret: **4:59**
